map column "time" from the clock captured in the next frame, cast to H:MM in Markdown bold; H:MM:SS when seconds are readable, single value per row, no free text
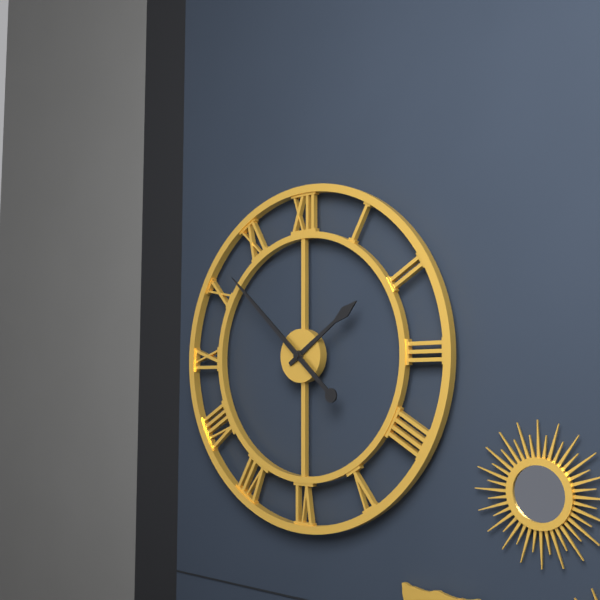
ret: **1:52**
